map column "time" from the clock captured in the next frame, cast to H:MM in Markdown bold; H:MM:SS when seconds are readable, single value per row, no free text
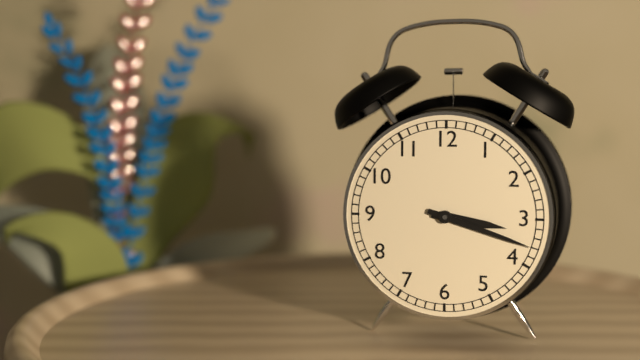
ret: **3:18**
